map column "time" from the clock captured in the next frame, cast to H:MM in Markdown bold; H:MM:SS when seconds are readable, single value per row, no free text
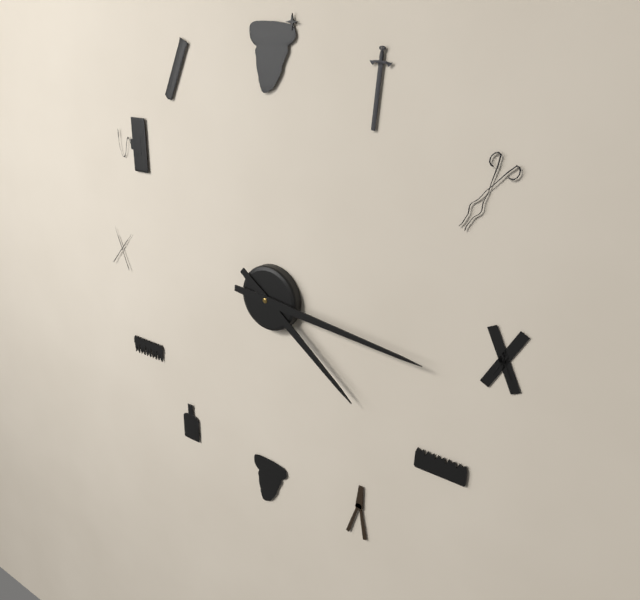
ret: **4:16**
